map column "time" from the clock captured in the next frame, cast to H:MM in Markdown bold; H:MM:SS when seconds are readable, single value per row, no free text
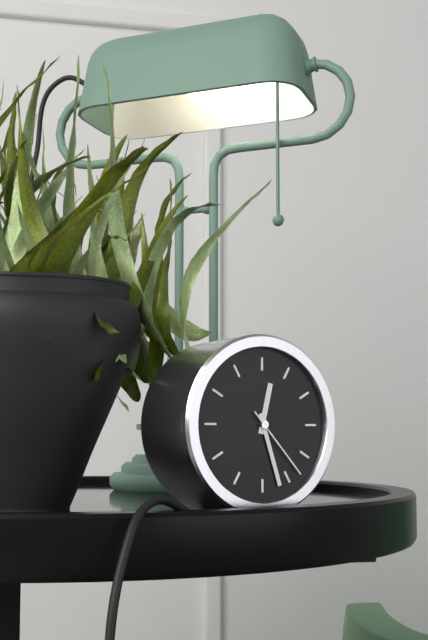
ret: **12:27:23**
